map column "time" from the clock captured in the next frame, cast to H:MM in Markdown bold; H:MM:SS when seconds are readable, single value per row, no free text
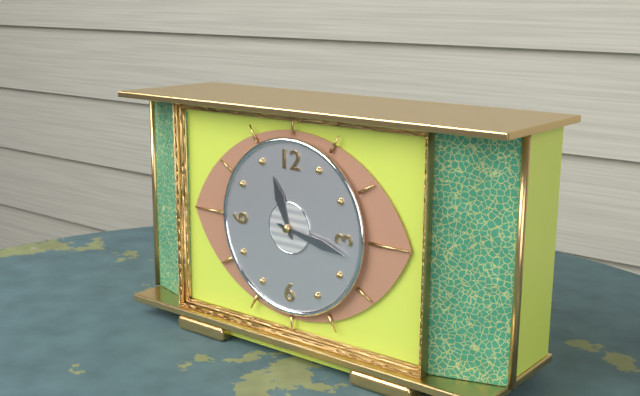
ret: **11:17**
